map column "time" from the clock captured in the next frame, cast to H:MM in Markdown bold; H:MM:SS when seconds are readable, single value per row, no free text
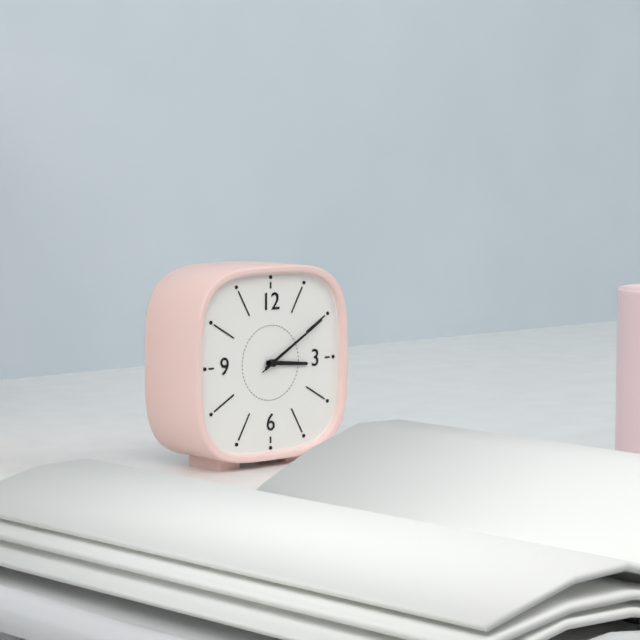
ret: **3:10:10**
